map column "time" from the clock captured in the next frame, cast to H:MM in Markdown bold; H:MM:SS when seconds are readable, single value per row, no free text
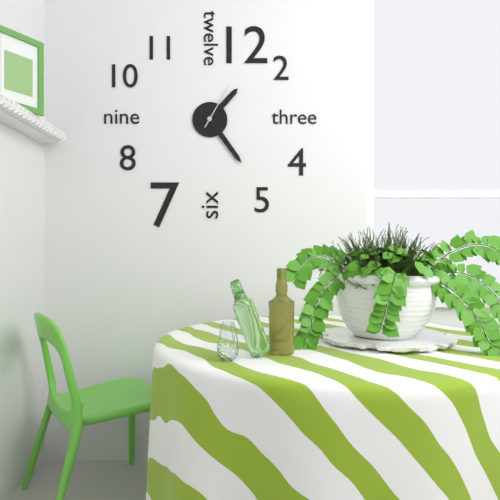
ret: **1:24**
